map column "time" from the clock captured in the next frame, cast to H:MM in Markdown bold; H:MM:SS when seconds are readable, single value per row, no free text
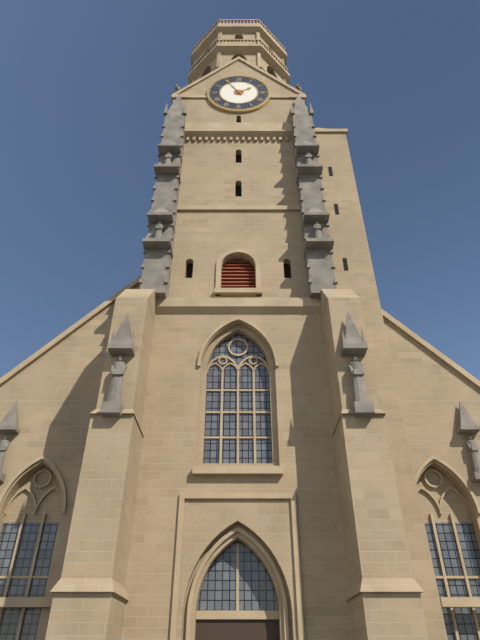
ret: **1:55**
